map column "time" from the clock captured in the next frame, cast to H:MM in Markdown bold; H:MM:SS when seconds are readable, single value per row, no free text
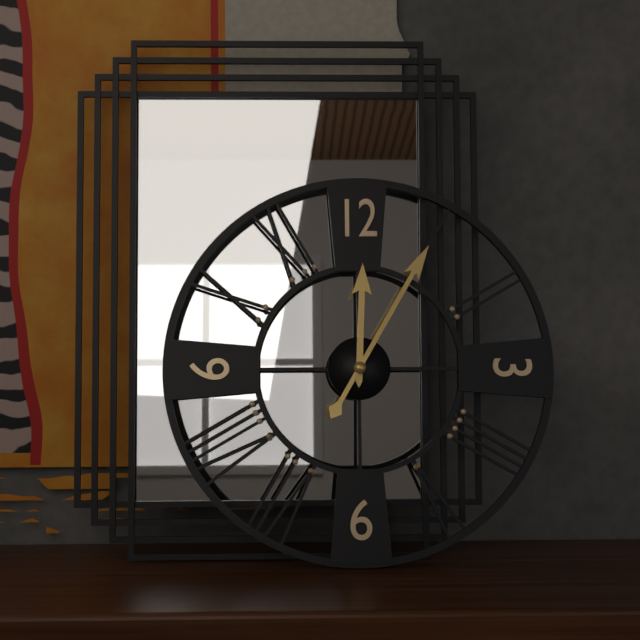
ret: **12:05**
